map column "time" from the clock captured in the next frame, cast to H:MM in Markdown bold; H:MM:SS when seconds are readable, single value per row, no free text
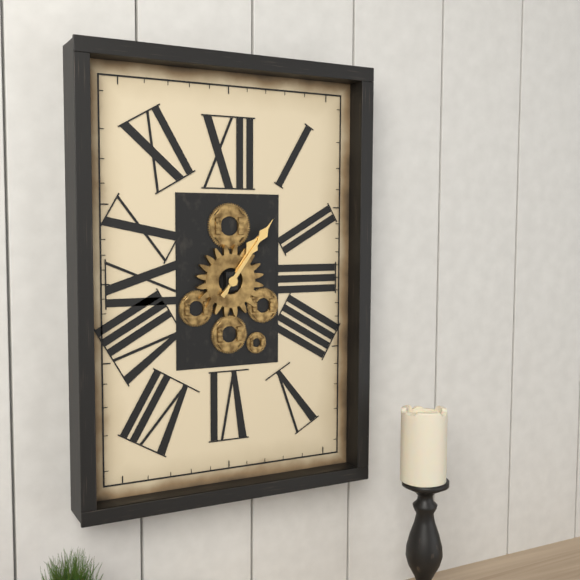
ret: **1:06**
